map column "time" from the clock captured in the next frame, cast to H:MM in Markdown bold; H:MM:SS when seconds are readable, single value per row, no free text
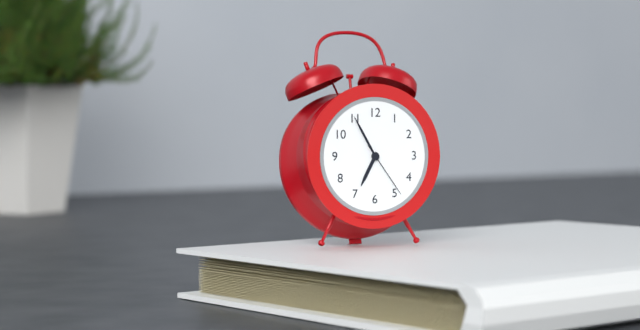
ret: **6:55:24**
